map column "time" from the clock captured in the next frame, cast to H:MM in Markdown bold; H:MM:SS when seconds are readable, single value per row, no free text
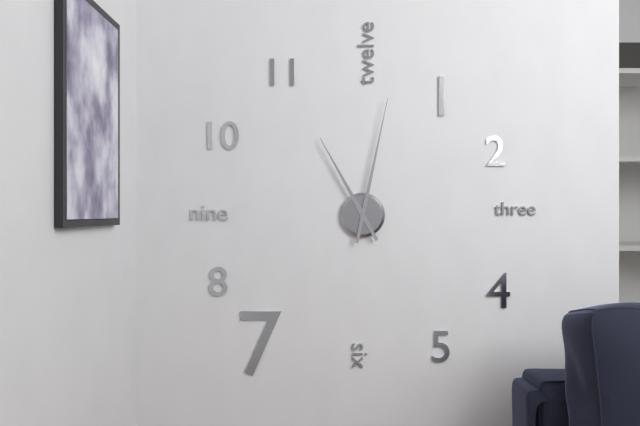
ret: **11:02**
